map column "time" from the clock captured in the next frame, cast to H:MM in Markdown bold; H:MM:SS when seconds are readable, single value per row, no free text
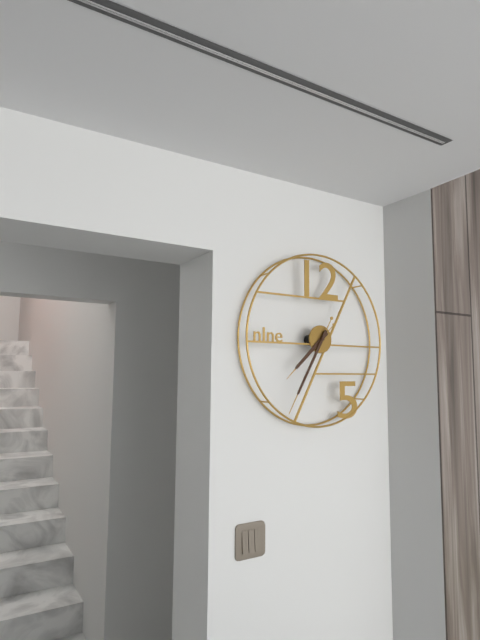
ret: **7:35**
